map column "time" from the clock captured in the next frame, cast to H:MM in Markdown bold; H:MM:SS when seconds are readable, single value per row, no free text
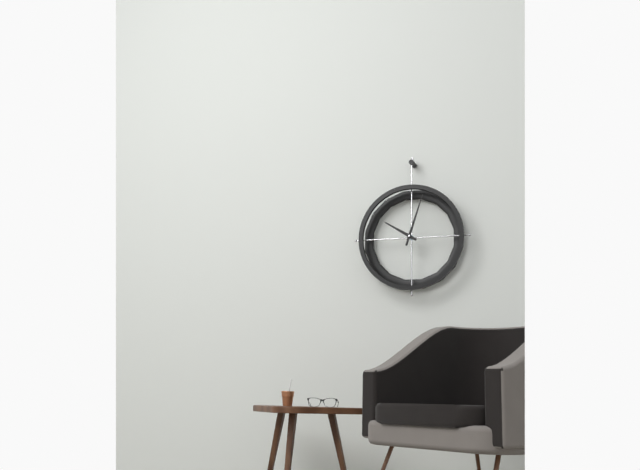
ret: **10:03**
